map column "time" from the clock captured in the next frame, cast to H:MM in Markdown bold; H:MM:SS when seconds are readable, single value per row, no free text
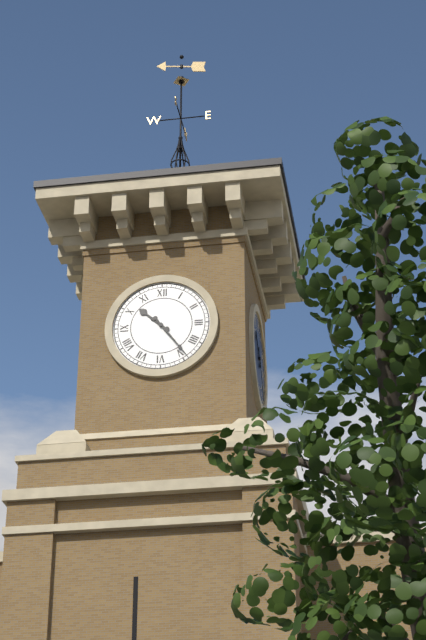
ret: **10:24**
